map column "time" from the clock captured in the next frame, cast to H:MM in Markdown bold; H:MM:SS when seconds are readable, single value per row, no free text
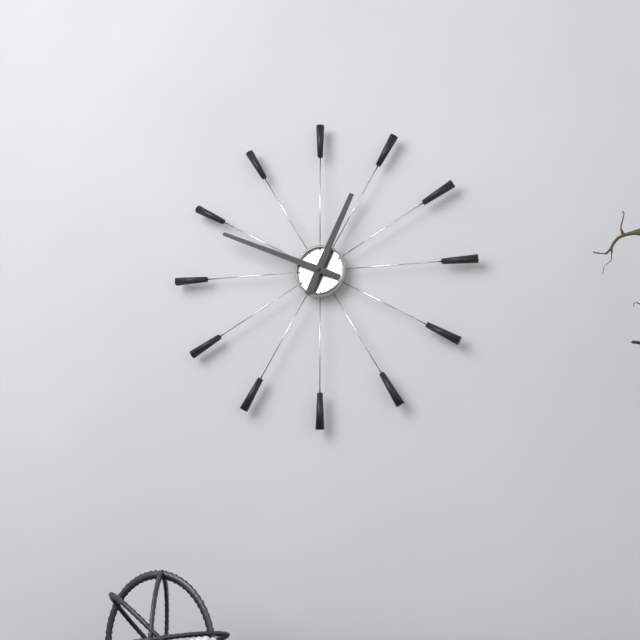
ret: **12:49**
